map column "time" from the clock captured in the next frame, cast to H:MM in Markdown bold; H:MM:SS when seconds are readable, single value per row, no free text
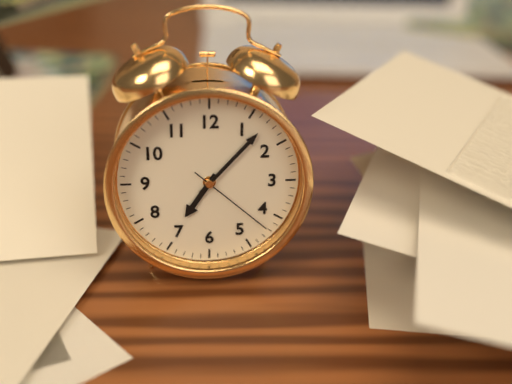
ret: **7:07:22**
